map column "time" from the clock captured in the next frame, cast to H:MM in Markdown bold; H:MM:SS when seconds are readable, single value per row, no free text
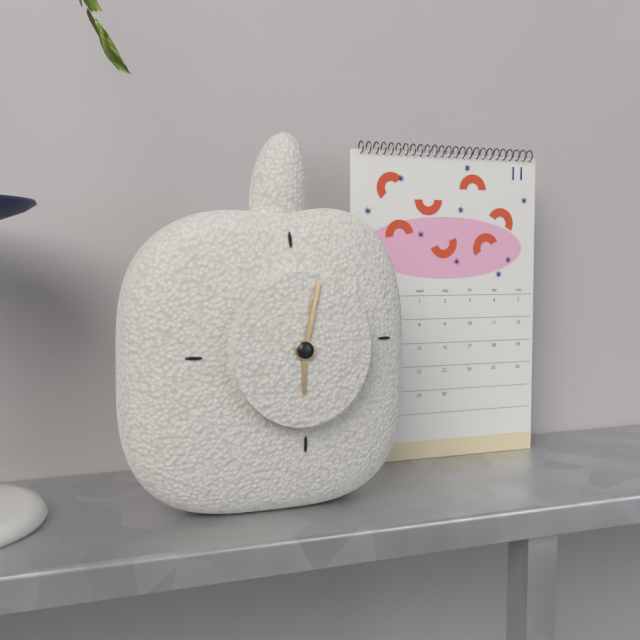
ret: **6:02**
